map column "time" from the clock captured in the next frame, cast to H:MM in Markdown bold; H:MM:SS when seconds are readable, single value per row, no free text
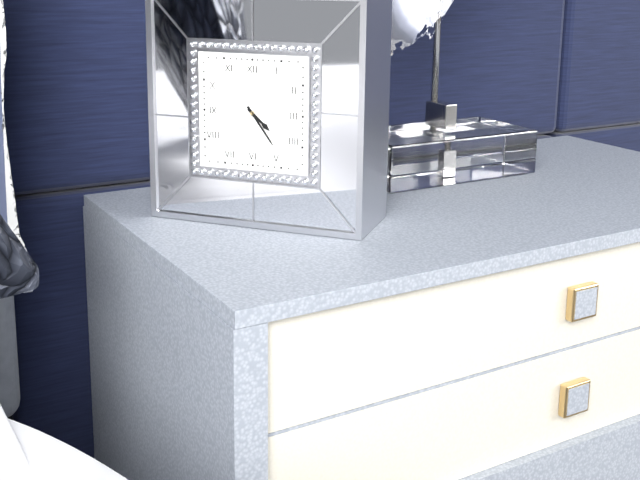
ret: **4:24**
